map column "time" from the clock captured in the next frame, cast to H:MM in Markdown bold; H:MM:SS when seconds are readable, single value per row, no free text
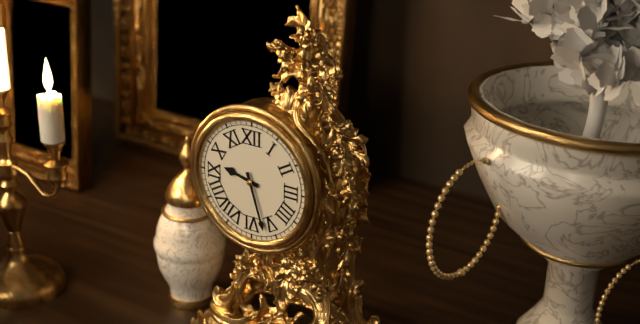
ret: **9:27**
